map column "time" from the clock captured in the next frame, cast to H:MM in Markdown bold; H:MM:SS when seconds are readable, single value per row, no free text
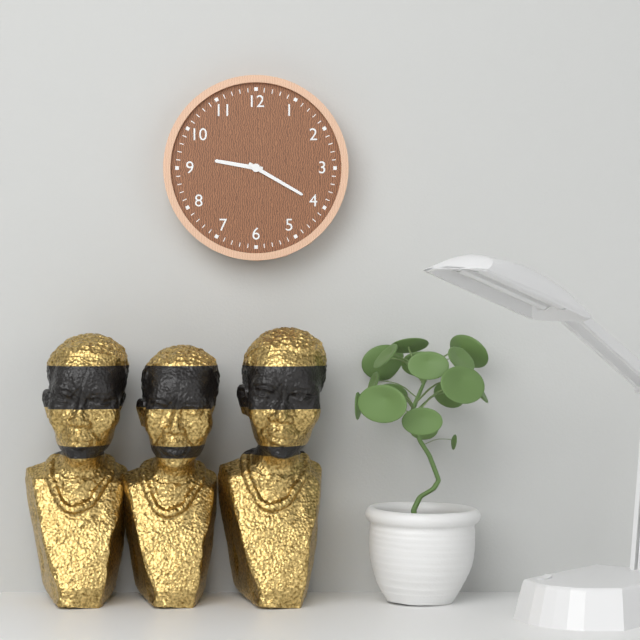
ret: **9:20**
